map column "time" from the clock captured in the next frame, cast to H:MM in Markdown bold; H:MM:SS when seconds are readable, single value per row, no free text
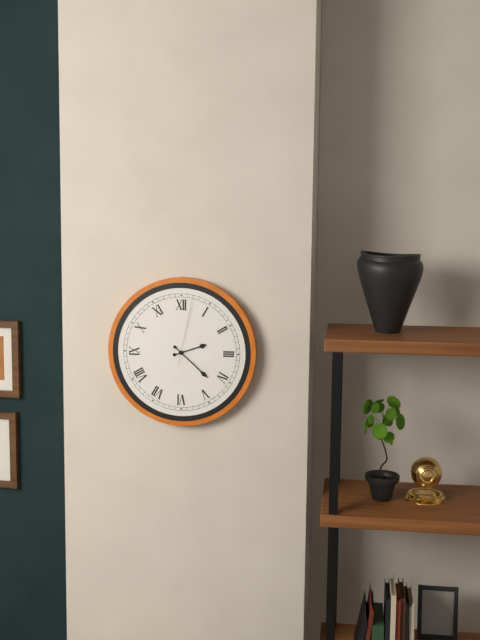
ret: **2:22:02**
